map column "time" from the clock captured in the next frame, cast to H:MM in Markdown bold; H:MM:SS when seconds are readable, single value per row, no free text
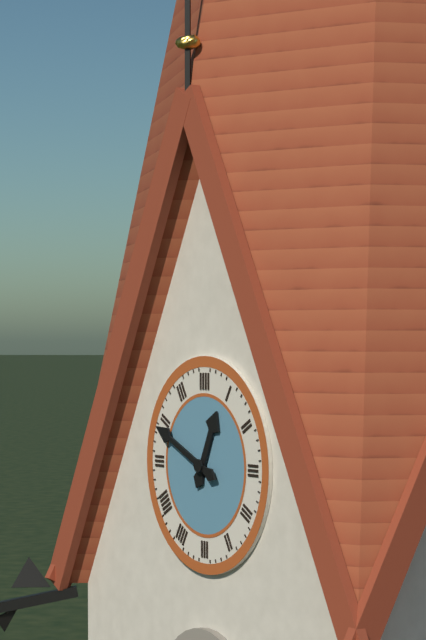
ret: **12:49**
